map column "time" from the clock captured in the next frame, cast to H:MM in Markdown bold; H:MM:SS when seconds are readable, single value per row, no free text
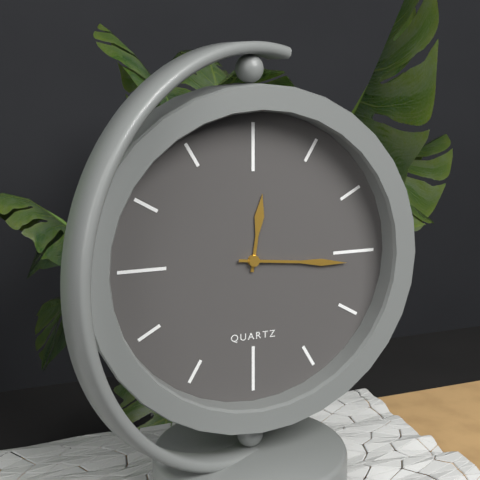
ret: **12:16**
